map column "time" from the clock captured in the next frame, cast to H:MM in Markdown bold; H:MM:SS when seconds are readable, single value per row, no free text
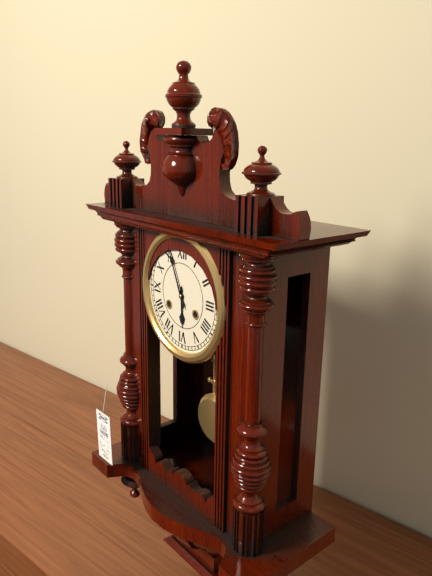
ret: **5:56**
